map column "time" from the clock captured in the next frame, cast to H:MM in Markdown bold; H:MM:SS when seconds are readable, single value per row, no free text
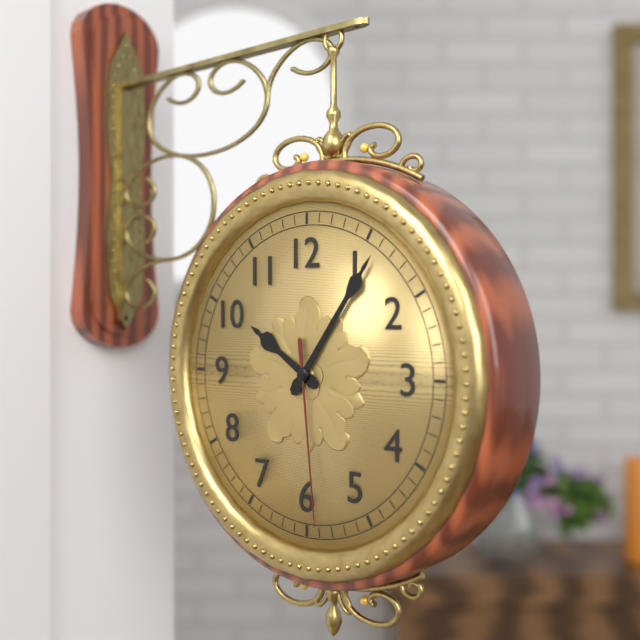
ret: **10:06:29**
